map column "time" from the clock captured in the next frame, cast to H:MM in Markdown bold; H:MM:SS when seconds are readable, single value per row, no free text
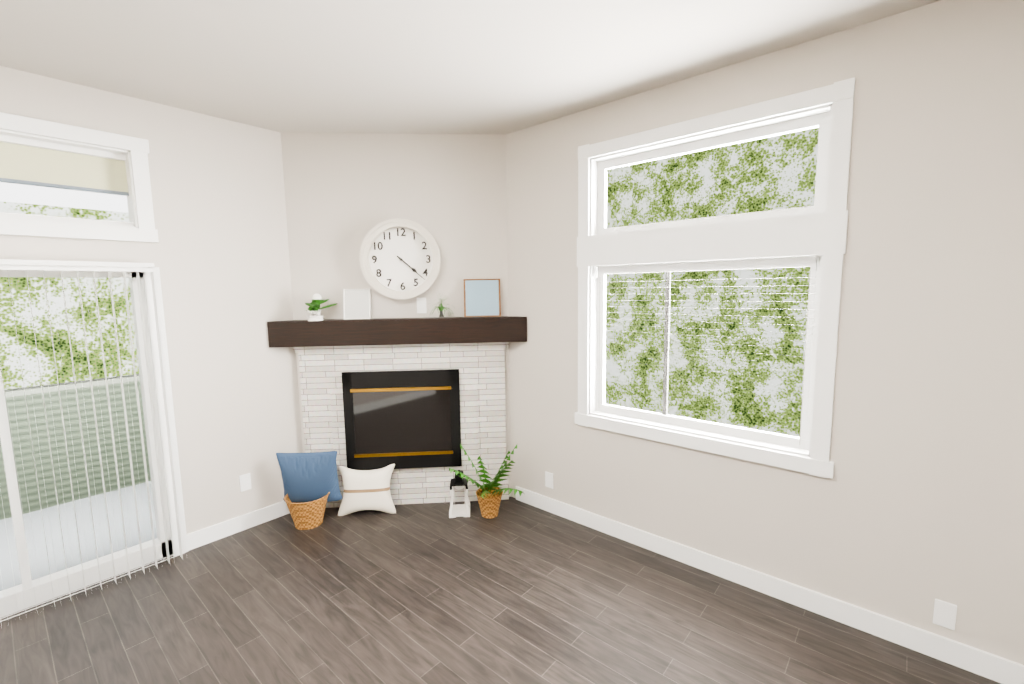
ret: **4:22**
